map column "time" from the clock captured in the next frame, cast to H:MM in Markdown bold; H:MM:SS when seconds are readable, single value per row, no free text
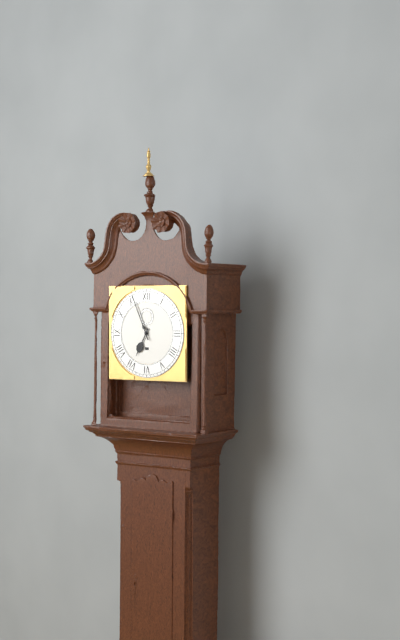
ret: **6:56**
